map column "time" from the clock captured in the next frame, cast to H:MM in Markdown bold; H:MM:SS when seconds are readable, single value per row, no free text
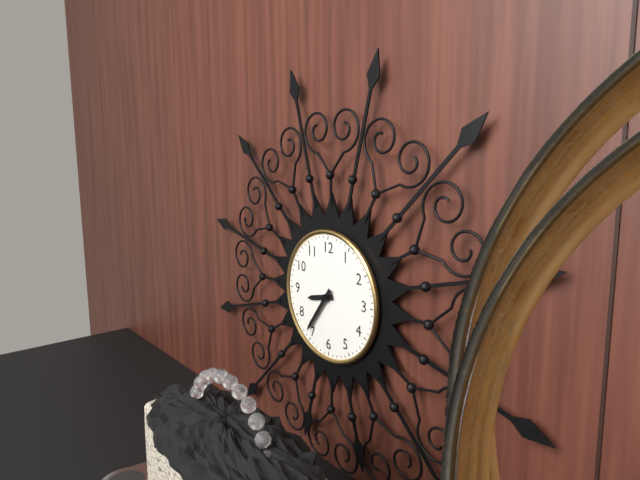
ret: **8:36**
